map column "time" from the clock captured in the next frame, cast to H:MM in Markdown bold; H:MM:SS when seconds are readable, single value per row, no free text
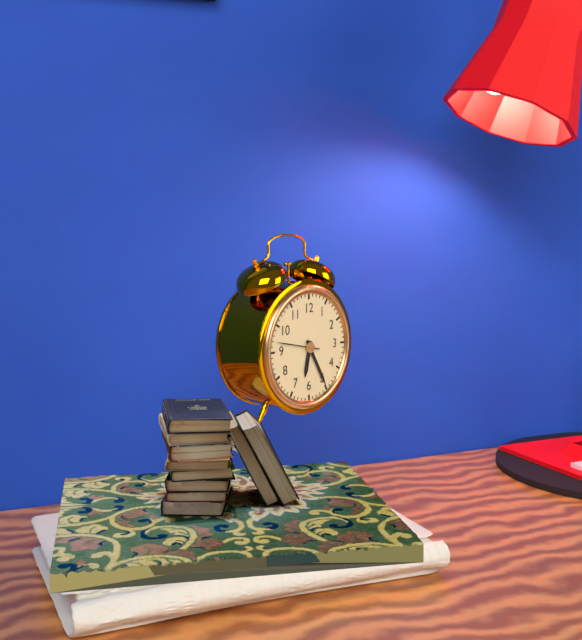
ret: **6:25**
